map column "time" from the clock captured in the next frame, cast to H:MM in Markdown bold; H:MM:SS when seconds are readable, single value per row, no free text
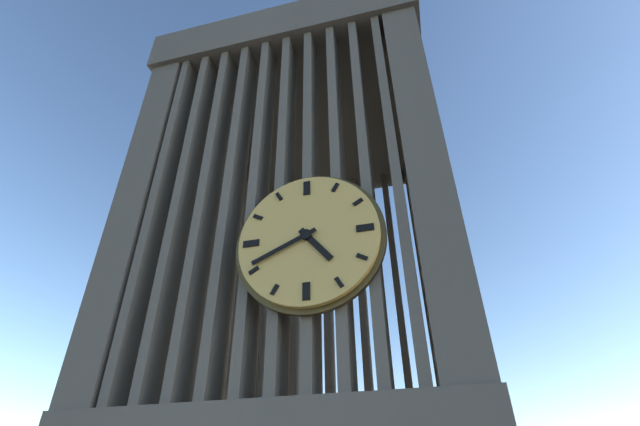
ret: **4:41**
